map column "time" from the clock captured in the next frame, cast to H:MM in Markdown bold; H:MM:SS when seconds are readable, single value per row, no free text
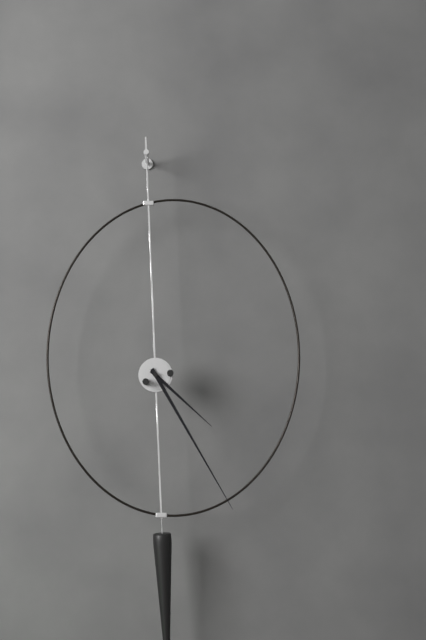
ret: **4:25**
